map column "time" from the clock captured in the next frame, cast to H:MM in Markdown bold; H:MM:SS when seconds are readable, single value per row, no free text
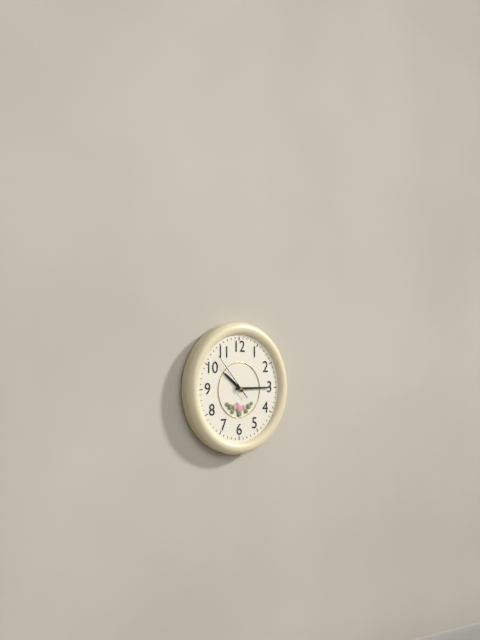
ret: **10:15:53**
